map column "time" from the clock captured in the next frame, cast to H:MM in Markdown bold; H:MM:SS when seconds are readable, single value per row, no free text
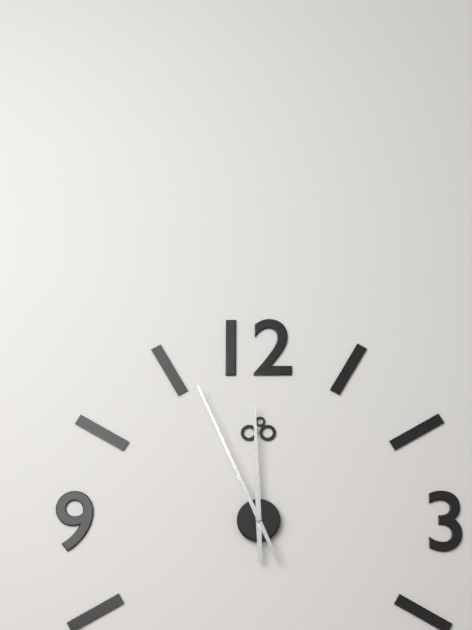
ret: **11:56**
